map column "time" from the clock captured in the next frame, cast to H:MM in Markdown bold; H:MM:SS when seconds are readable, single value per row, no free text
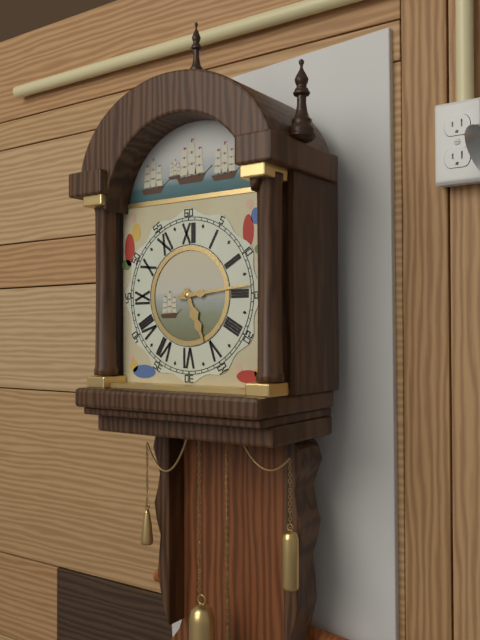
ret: **5:14**
